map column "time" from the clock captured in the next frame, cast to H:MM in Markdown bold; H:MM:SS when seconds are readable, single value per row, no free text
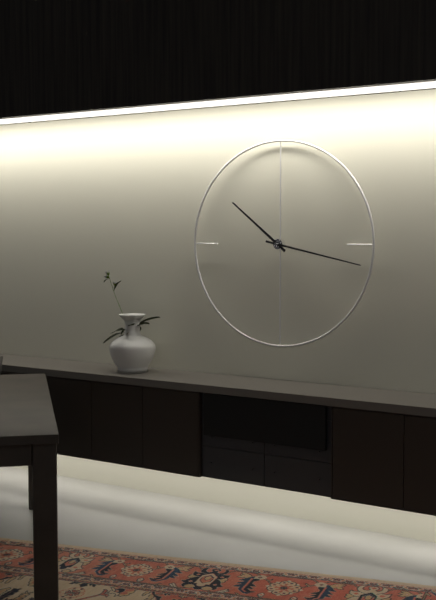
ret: **10:17**
